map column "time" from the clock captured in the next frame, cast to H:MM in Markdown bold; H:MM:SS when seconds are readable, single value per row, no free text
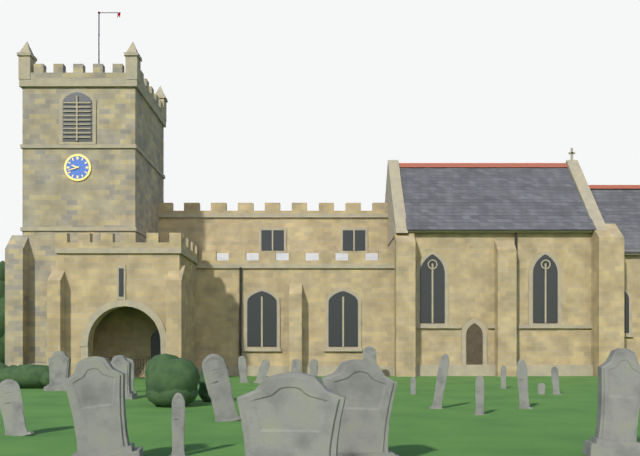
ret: **9:42**
